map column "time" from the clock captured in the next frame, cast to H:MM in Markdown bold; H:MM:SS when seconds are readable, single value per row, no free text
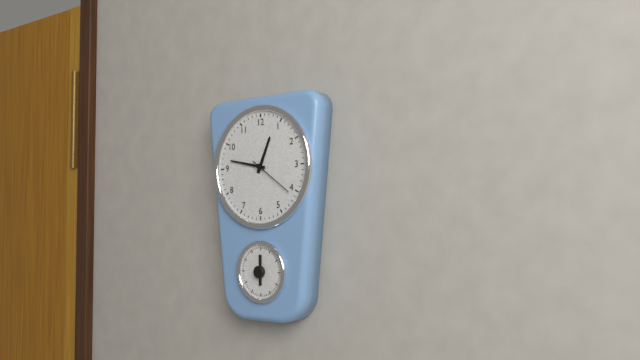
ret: **12:47**
